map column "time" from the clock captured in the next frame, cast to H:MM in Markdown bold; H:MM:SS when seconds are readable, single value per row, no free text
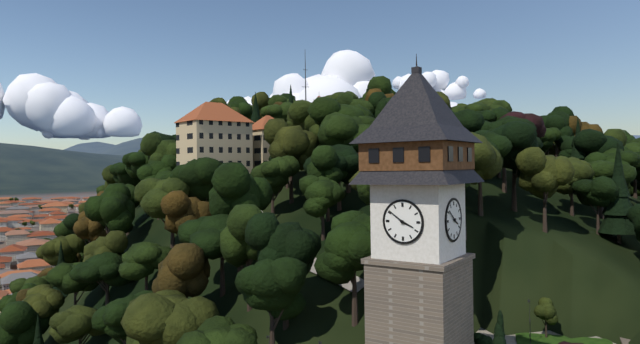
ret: **3:51**
